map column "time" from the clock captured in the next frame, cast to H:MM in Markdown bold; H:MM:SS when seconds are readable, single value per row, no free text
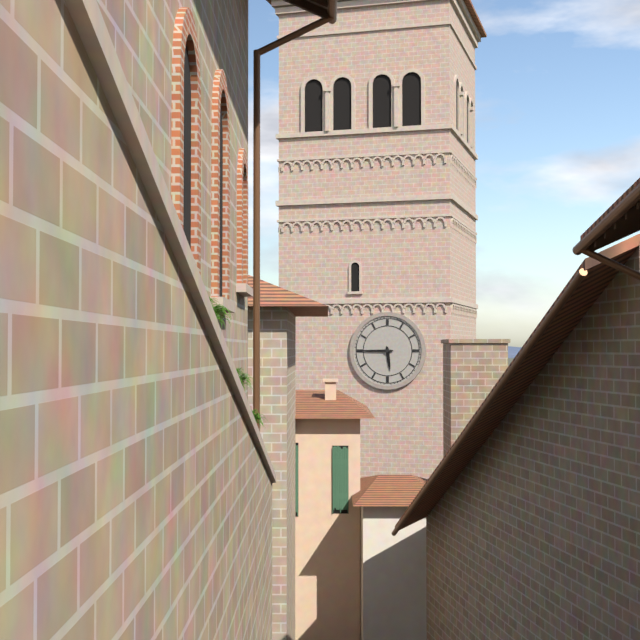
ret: **5:45**
